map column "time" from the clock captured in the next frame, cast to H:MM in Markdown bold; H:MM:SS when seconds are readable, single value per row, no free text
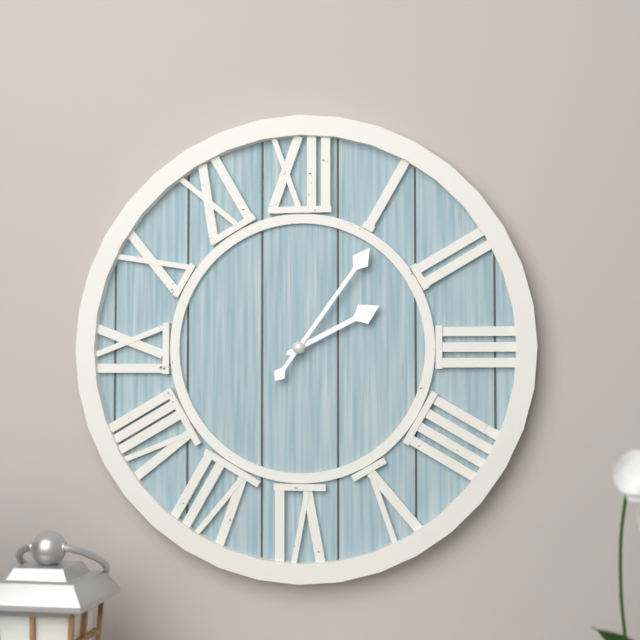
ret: **2:06**
